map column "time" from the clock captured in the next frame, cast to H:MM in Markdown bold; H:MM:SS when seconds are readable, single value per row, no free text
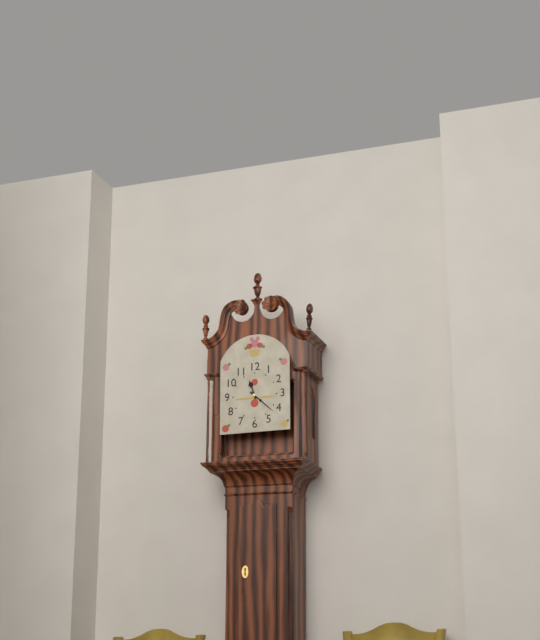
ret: **11:22**
